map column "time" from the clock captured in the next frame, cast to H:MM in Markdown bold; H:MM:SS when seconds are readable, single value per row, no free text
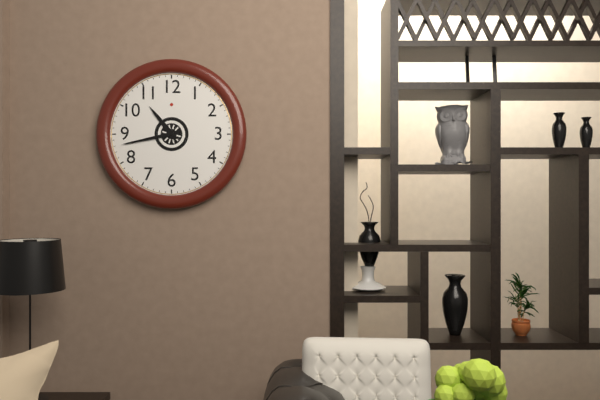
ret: **10:43**
